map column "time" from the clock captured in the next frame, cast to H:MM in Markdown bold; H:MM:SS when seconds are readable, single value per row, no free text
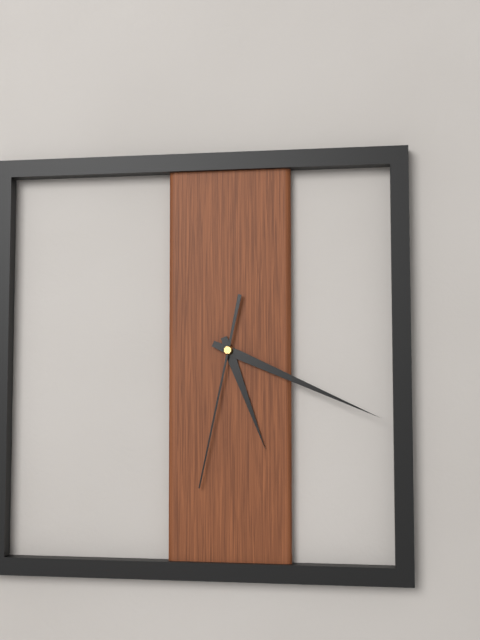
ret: **5:19:32**
